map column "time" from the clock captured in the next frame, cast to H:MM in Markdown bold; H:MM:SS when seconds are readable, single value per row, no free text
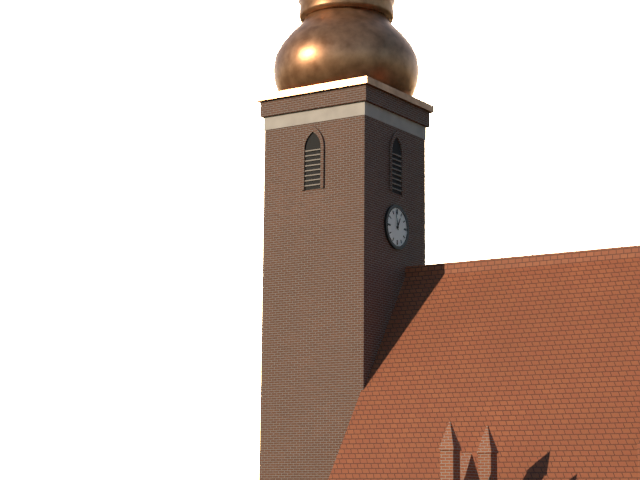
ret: **12:58**
